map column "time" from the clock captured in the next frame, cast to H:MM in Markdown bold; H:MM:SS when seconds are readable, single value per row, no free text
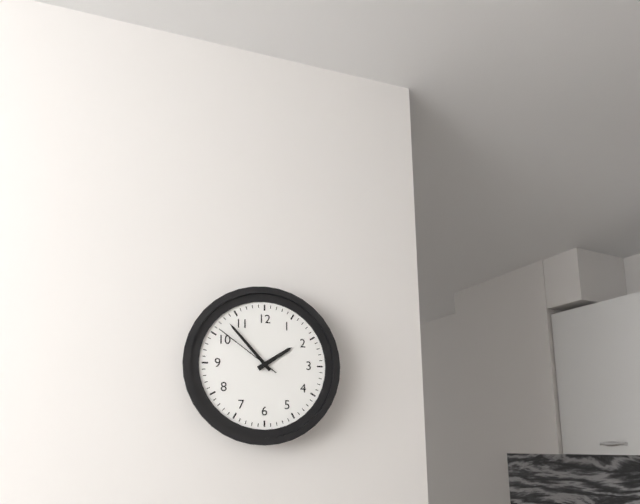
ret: **1:53:51**
